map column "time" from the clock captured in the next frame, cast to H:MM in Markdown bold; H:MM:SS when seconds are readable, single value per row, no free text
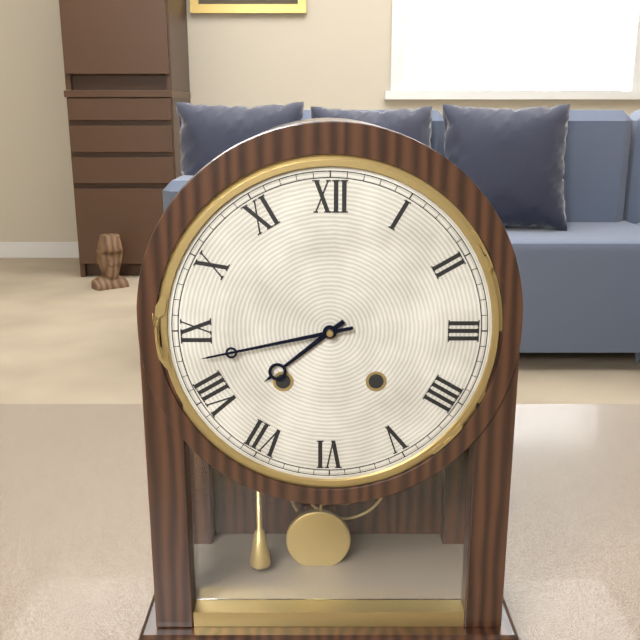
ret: **7:43**
